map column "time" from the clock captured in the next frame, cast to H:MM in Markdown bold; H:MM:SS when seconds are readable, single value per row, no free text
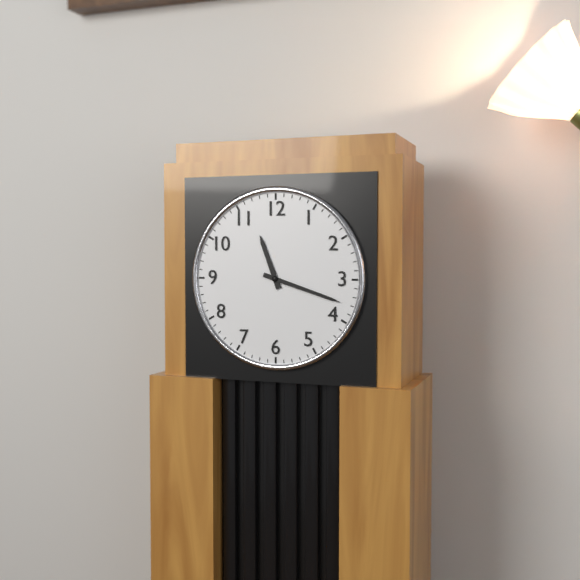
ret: **11:18**
